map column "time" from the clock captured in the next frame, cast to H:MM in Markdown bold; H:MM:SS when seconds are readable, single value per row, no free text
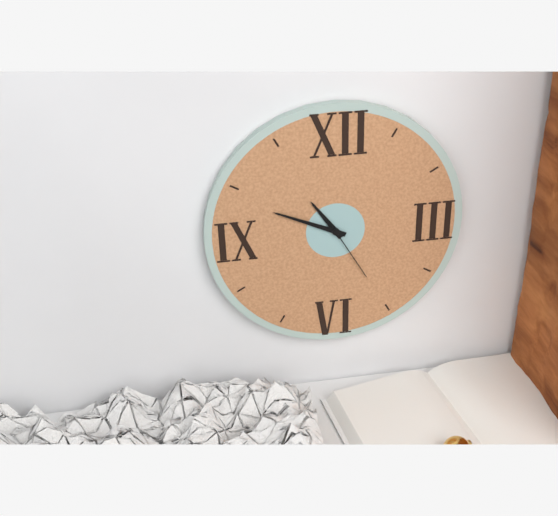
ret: **10:49:25**
